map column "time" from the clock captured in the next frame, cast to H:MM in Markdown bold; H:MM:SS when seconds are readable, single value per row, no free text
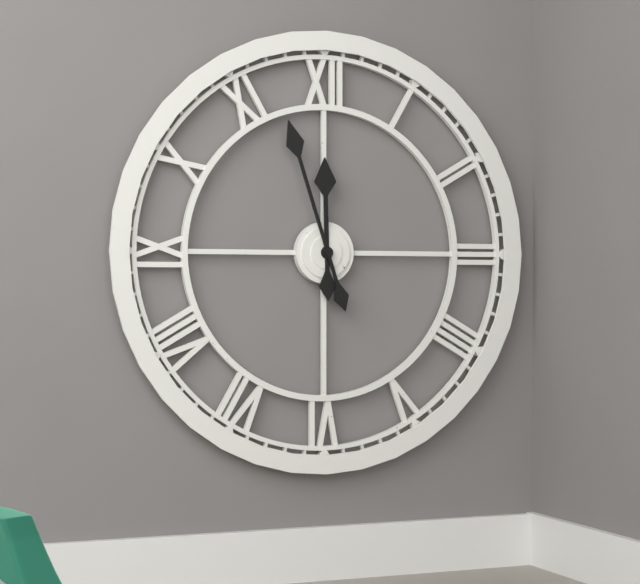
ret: **11:57**
